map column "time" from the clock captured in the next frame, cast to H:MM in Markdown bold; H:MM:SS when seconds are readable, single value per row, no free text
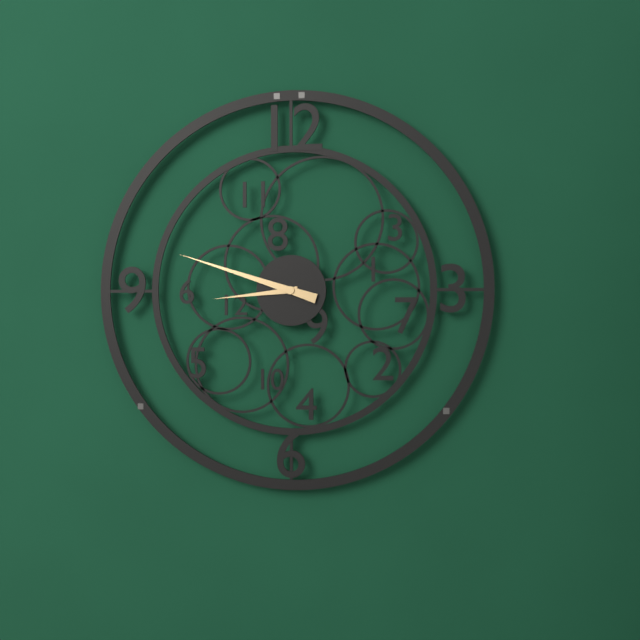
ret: **8:48**
